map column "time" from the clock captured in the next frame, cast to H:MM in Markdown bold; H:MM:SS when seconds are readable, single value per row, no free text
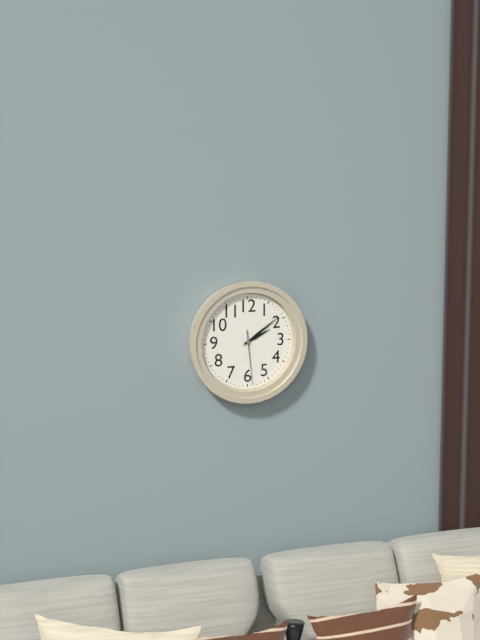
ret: **2:09:29**
